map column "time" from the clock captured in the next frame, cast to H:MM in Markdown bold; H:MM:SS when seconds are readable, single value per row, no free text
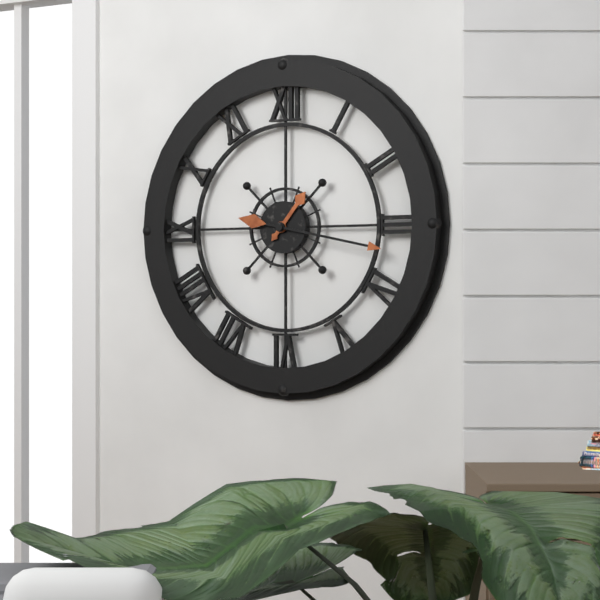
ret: **1:17**
